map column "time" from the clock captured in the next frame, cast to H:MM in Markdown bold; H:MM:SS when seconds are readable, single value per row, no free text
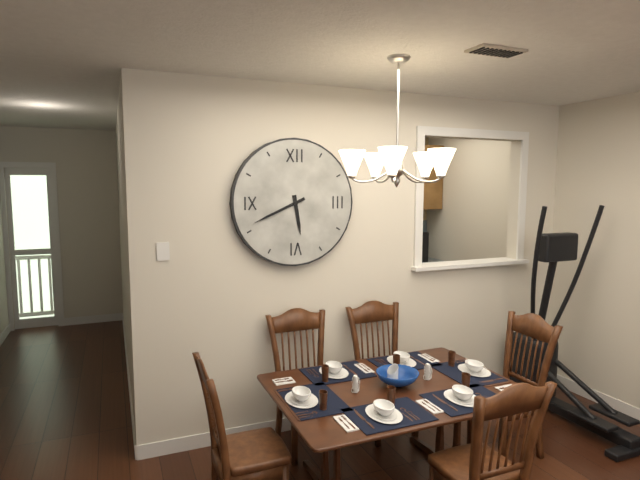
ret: **5:41**
